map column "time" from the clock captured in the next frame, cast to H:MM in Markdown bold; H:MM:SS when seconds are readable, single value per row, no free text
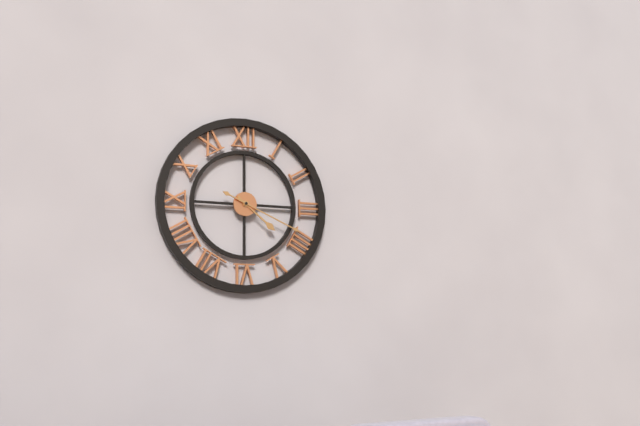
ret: **4:19**
